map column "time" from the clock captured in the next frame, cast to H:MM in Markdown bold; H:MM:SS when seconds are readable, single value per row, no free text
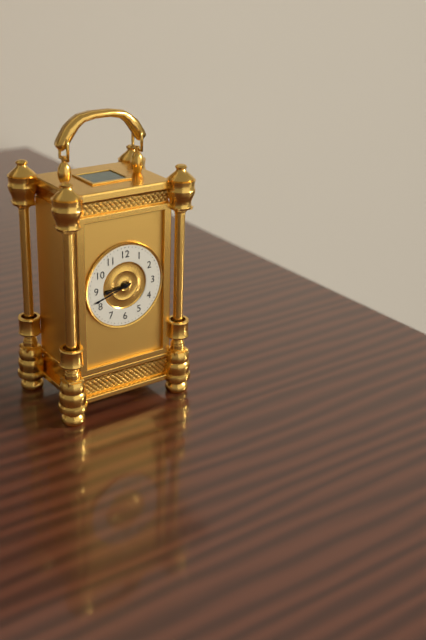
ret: **8:42**
